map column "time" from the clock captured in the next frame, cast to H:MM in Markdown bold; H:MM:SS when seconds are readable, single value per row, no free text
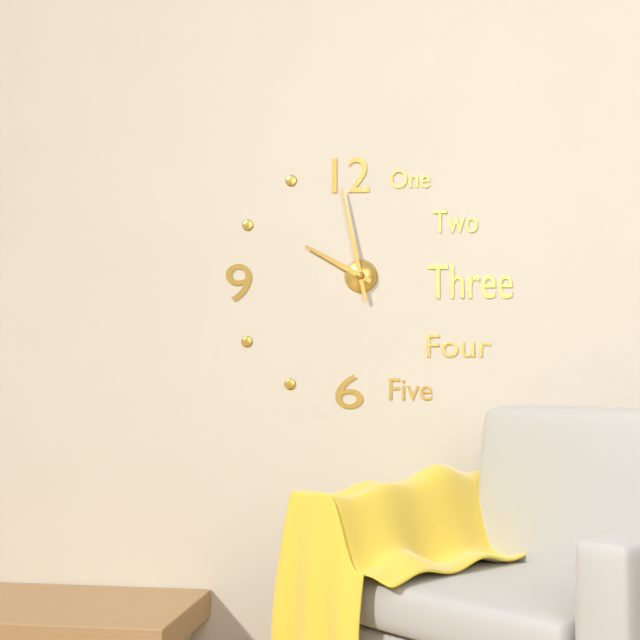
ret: **9:58**
